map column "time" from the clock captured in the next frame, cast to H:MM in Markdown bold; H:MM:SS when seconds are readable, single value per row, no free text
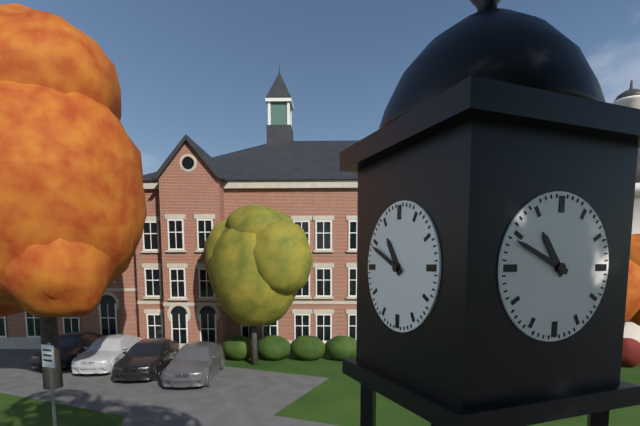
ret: **10:49**
